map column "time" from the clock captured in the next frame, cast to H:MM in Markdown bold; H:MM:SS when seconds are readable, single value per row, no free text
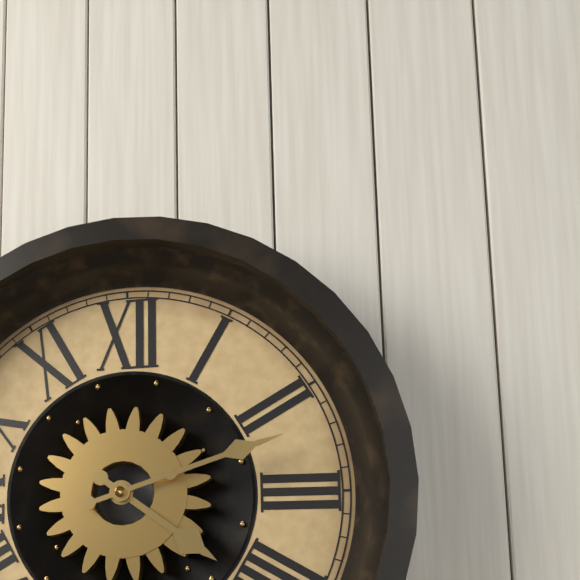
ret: **4:12**
